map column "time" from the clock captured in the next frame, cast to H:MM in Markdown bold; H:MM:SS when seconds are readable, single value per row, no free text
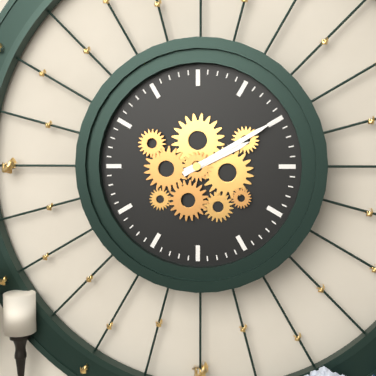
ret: **2:10**
